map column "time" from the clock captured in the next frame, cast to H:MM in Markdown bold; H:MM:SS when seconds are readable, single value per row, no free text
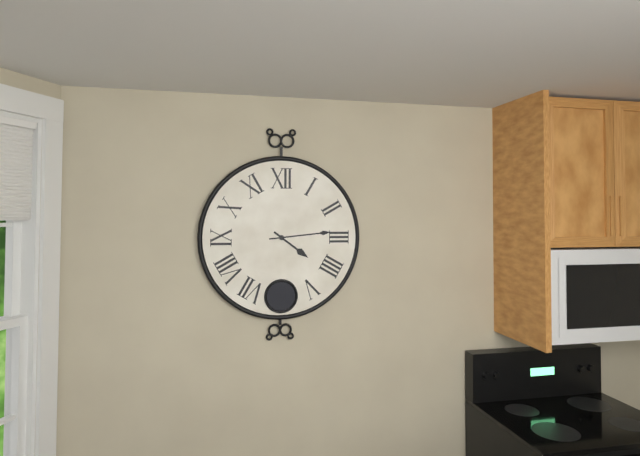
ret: **4:14**
